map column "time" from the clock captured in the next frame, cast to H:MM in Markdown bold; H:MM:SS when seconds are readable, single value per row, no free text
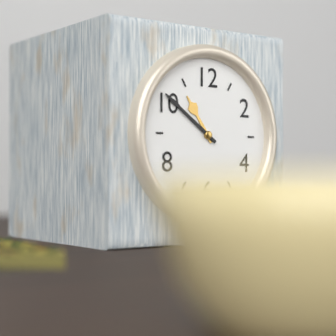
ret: **10:51**
